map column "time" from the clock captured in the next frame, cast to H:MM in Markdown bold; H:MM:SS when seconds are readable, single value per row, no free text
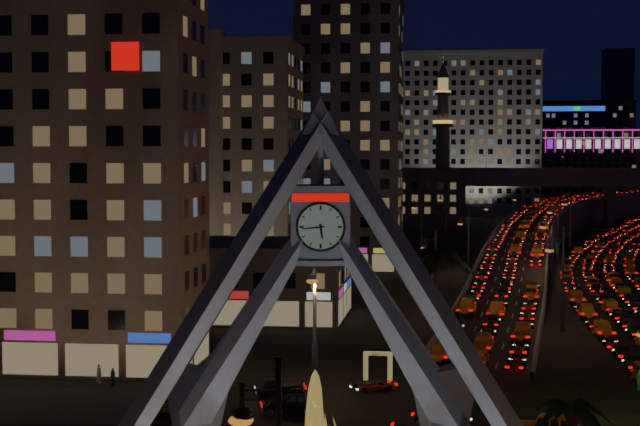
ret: **5:44**
